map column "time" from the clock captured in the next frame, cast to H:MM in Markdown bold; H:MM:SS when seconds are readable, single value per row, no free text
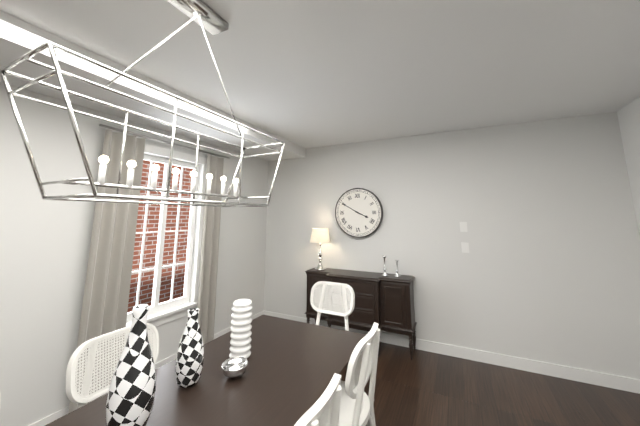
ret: **3:50**
